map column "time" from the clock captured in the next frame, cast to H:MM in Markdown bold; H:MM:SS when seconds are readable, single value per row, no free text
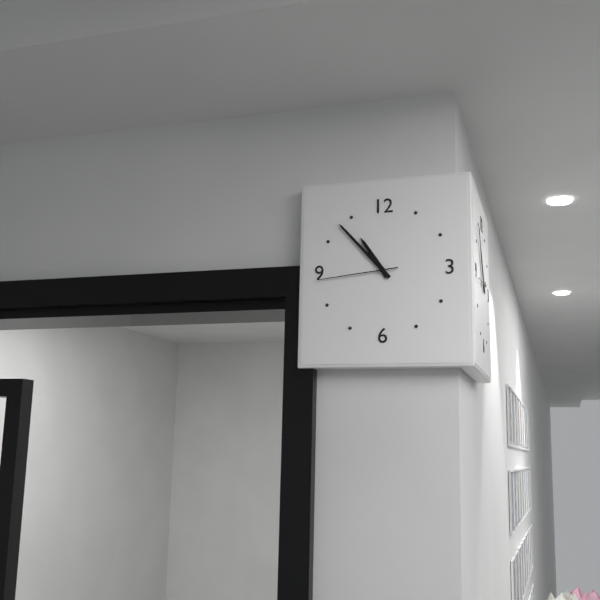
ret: **10:53:44**
